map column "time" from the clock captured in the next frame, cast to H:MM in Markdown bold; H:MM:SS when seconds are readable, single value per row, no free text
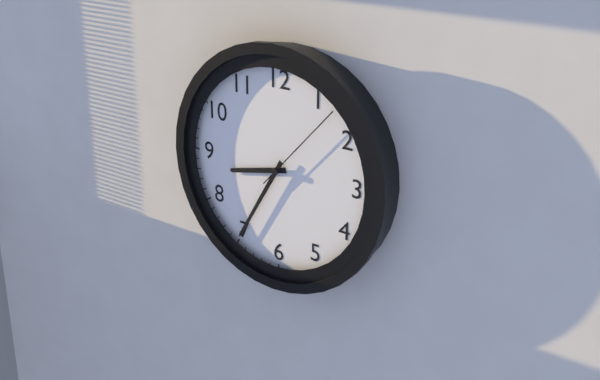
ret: **8:35:07**
